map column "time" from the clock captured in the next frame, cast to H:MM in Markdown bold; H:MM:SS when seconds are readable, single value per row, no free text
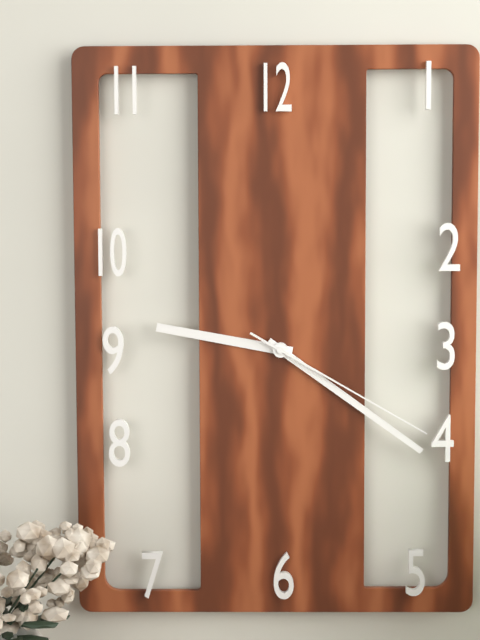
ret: **9:21:20**
